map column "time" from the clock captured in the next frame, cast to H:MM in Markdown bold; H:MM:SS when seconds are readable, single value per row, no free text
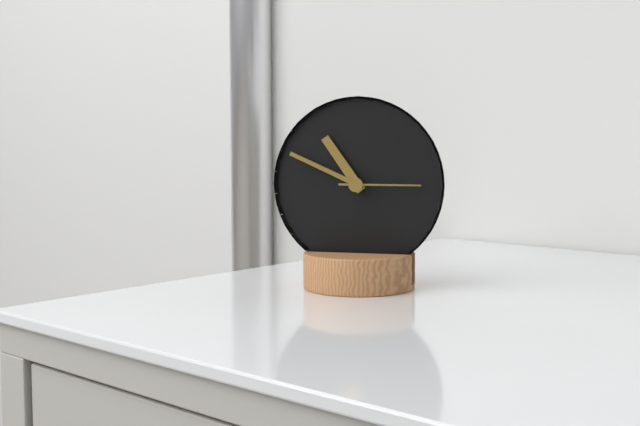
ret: **10:49:15**
